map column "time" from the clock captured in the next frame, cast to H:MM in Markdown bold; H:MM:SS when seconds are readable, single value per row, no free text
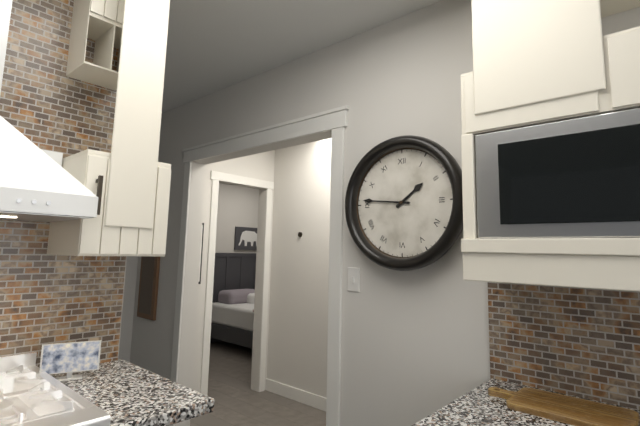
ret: **1:46**
